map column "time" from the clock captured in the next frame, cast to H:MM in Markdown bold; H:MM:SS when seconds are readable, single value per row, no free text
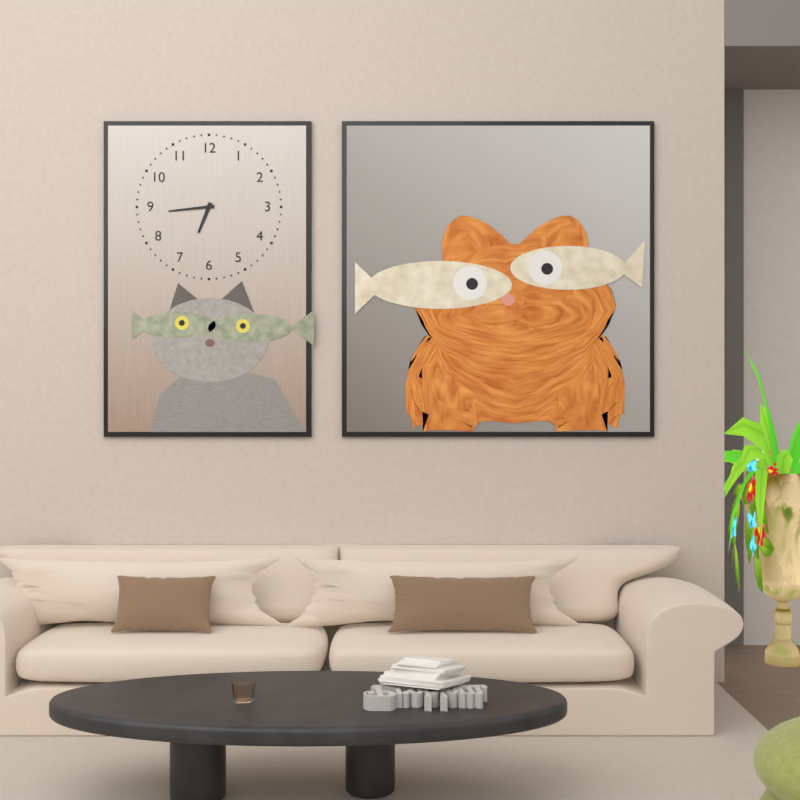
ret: **6:44**
